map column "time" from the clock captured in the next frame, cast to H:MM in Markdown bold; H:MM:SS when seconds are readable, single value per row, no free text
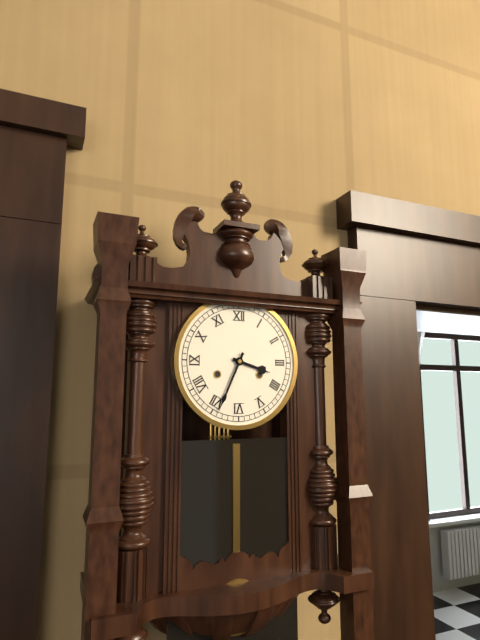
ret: **3:34**
